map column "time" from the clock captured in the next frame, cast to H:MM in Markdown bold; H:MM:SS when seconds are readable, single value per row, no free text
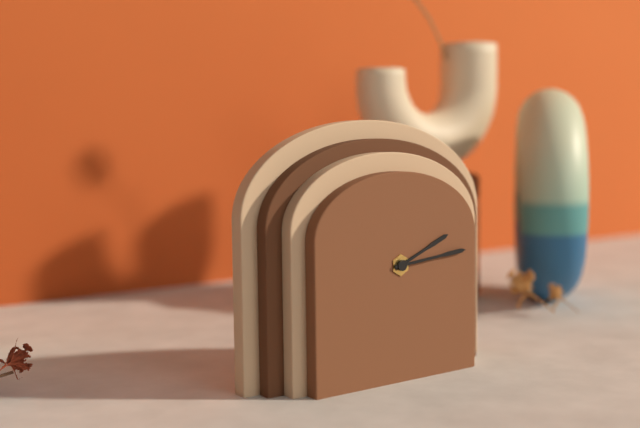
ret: **2:14**
